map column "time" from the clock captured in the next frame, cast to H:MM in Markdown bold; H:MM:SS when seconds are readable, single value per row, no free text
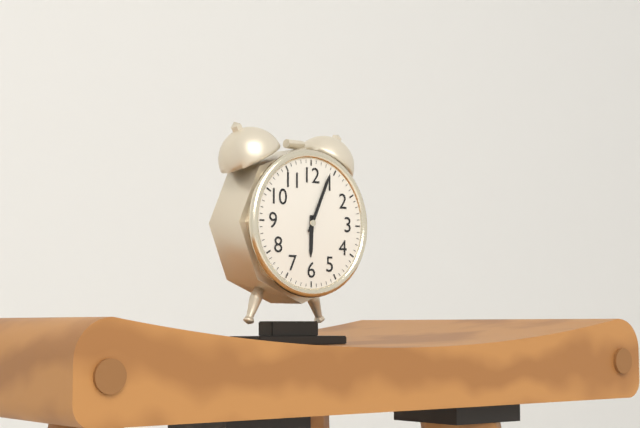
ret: **6:04**
